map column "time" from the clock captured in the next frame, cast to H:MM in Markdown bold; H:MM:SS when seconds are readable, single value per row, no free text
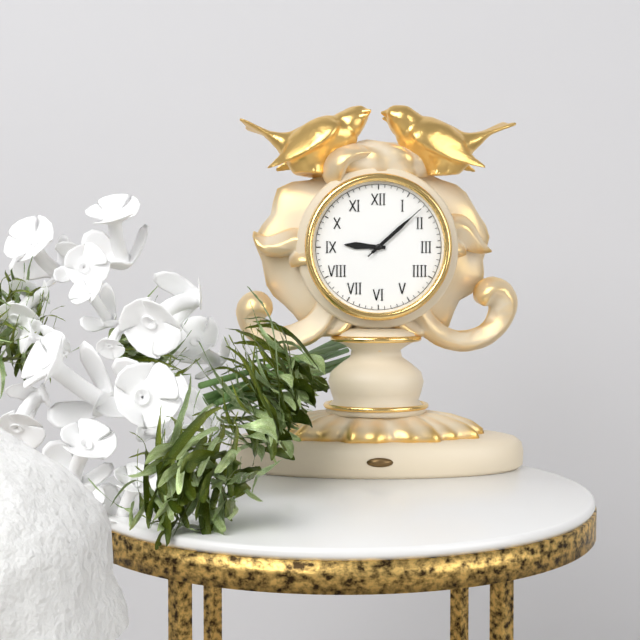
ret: **9:08:08**
